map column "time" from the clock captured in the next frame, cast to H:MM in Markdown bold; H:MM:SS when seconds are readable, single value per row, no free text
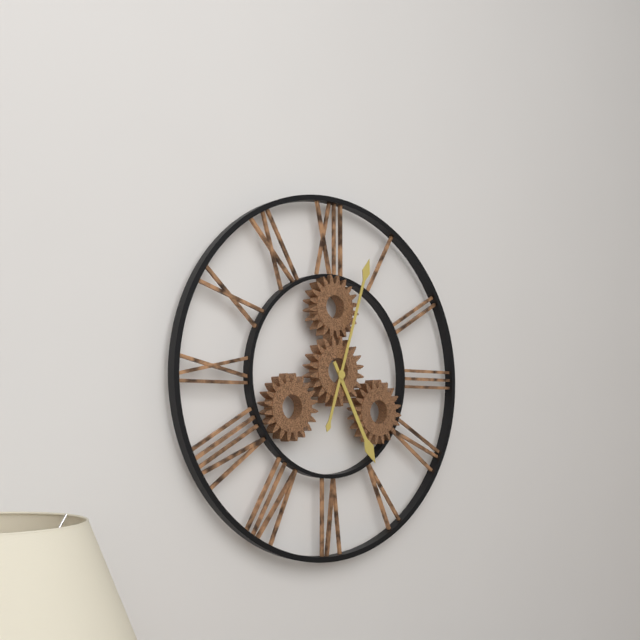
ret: **5:03**
